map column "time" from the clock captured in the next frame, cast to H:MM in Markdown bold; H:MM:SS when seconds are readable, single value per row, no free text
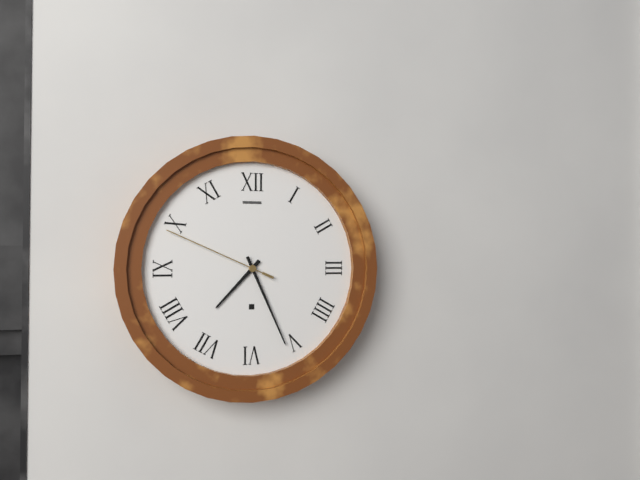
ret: **7:26:49**
